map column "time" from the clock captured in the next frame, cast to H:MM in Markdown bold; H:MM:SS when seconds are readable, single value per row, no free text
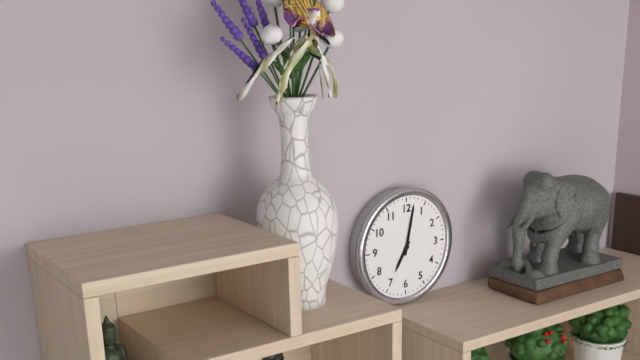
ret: **7:02**
